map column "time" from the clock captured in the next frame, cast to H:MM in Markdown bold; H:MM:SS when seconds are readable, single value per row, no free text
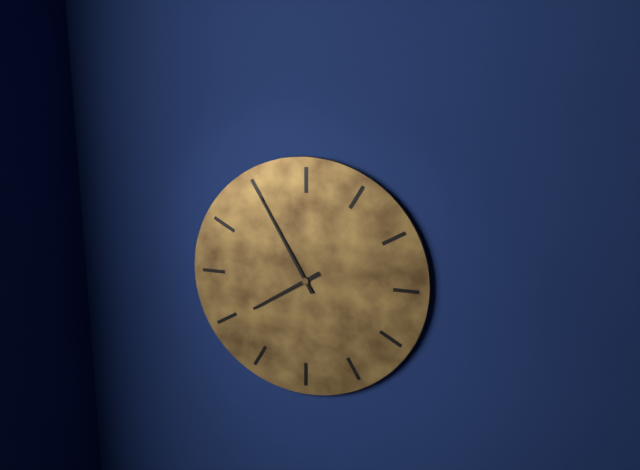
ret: **7:55**
